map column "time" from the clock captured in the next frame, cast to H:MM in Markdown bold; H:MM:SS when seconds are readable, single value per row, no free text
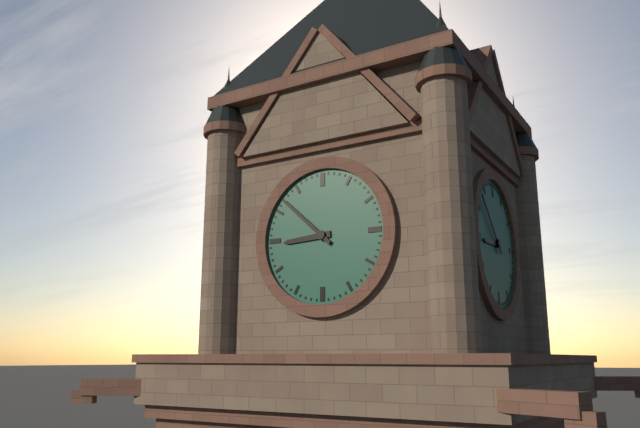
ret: **8:52**
